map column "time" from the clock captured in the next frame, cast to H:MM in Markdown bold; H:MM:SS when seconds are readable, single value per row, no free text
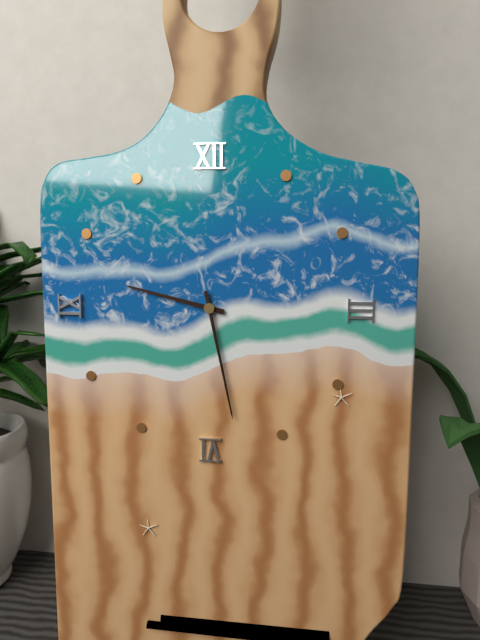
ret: **9:28**
